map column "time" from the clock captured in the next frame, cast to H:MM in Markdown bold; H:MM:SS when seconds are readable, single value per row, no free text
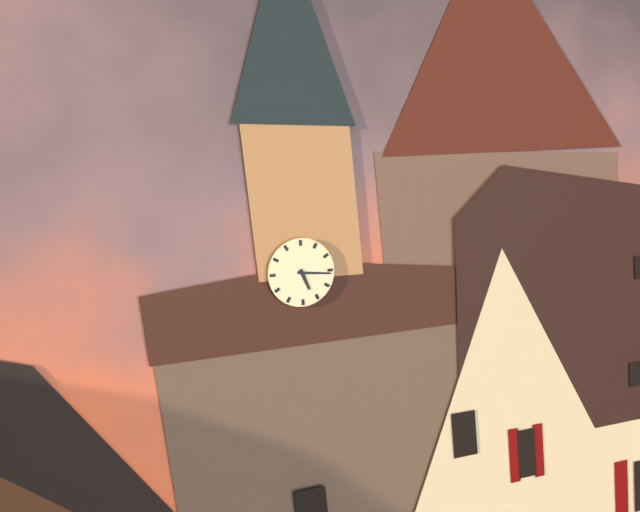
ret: **5:16**
